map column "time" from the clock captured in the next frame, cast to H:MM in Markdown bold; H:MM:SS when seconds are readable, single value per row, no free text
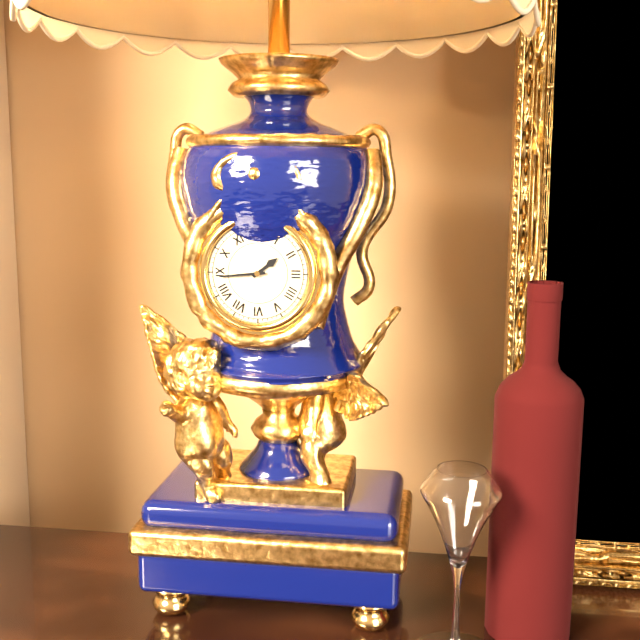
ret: **1:44**
